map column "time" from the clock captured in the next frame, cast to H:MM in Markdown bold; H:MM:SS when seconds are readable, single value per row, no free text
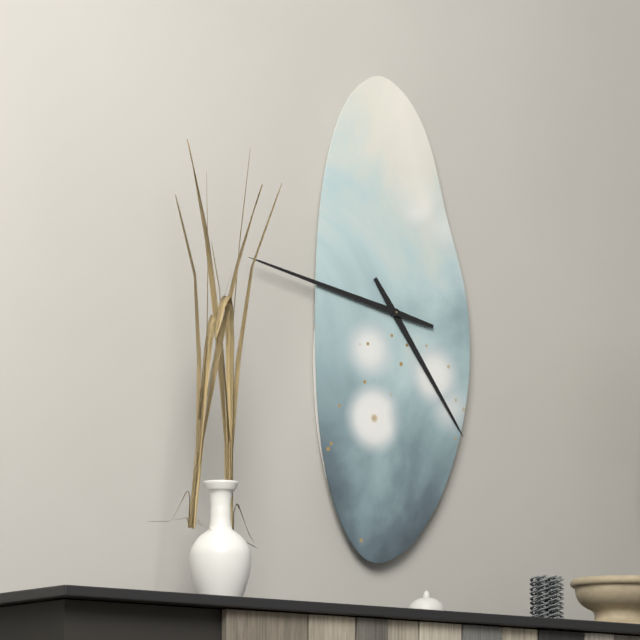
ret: **4:47**
